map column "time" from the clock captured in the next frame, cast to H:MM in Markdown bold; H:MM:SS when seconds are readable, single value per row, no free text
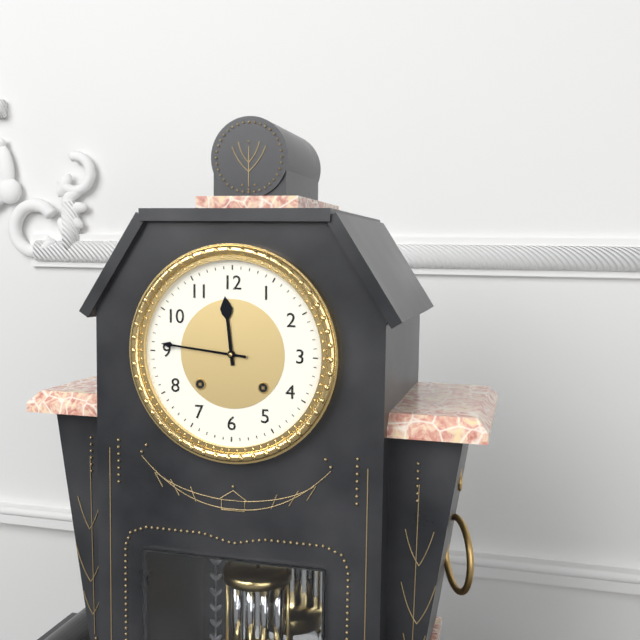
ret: **11:46**
